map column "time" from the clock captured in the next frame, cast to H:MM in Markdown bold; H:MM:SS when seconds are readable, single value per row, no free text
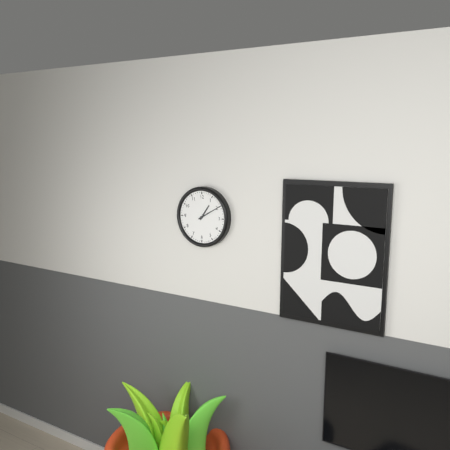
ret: **1:10**
